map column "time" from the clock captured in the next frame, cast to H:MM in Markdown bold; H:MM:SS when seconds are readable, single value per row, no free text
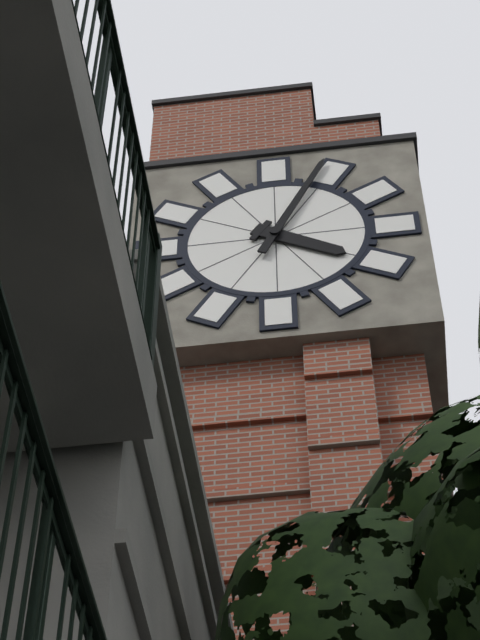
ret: **4:04**
